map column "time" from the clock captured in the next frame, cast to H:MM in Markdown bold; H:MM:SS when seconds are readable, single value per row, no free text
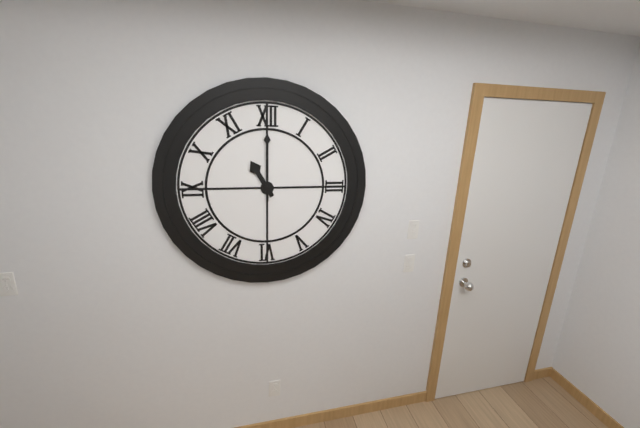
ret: **11:00**
